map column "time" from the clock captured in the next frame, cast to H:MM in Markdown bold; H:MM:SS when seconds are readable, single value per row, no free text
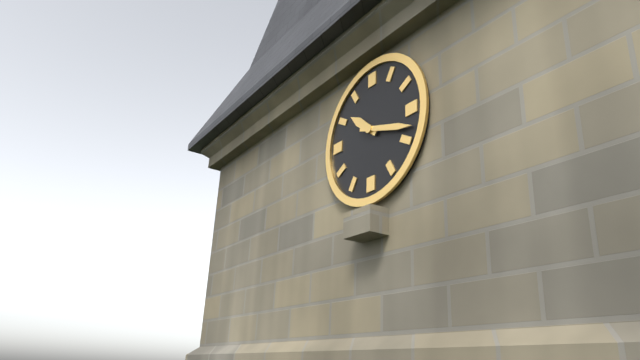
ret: **10:18**
